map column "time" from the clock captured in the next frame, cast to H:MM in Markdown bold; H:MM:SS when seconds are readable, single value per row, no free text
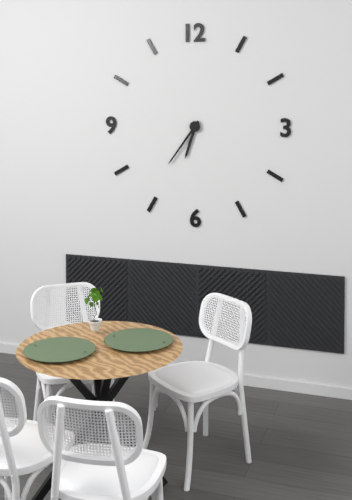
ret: **6:36**
